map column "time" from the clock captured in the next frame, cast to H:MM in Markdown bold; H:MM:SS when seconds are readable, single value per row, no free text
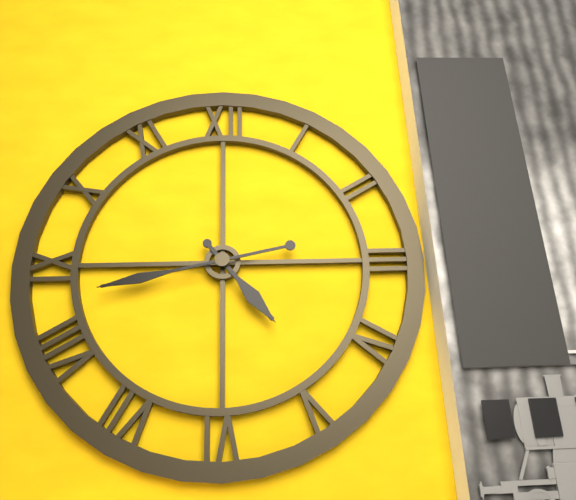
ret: **4:43**
